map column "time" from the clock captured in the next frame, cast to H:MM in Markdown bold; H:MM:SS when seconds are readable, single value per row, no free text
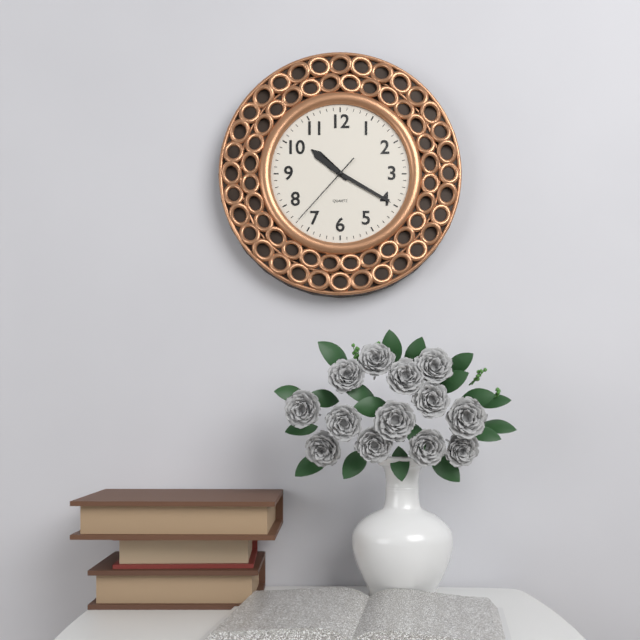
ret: **10:20:37**
